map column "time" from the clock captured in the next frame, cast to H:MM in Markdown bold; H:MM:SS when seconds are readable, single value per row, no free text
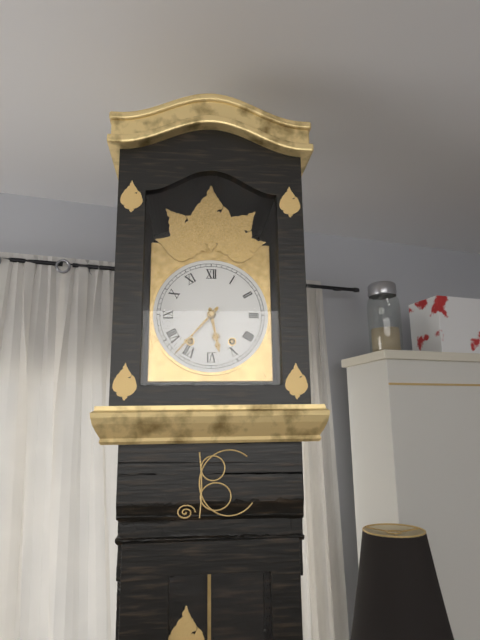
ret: **5:37**
